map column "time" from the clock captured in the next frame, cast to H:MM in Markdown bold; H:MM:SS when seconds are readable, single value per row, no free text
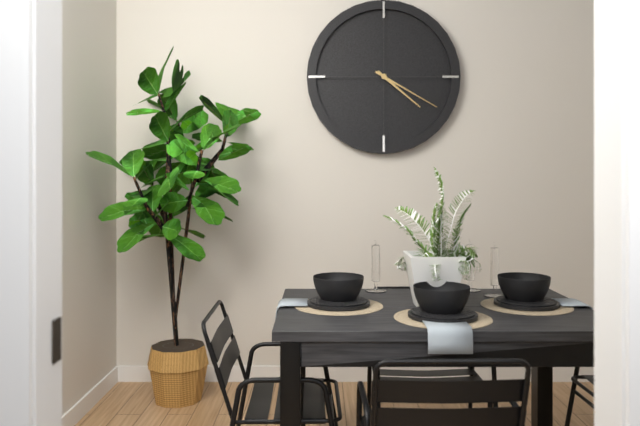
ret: **4:20**
